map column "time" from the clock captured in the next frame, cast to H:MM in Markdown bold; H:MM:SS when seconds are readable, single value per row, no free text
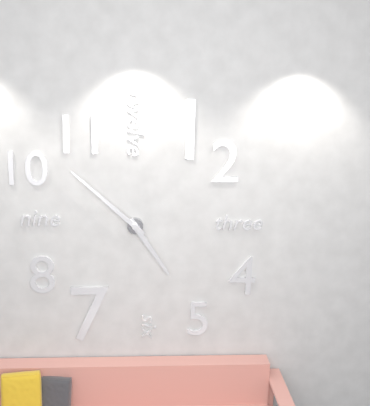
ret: **4:52**
